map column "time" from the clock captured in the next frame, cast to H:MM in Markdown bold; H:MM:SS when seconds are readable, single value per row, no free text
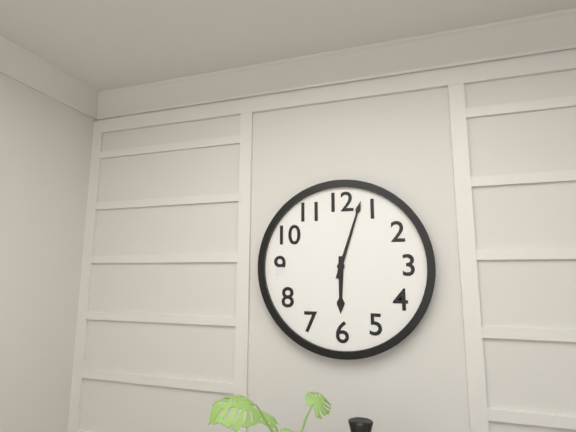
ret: **6:03**
